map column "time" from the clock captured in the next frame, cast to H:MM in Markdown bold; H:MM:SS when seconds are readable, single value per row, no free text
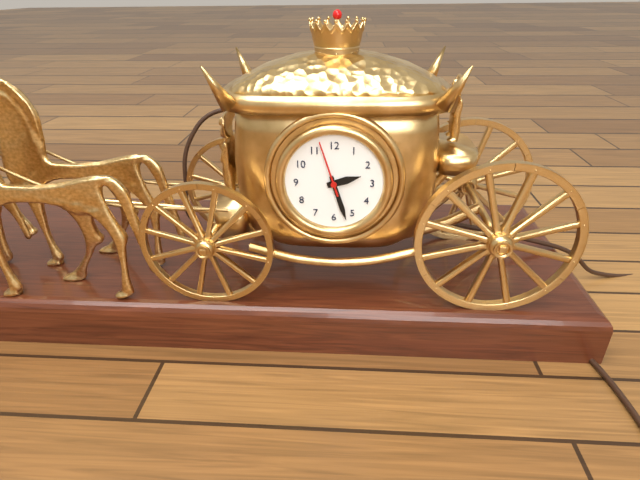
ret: **2:27:57**
